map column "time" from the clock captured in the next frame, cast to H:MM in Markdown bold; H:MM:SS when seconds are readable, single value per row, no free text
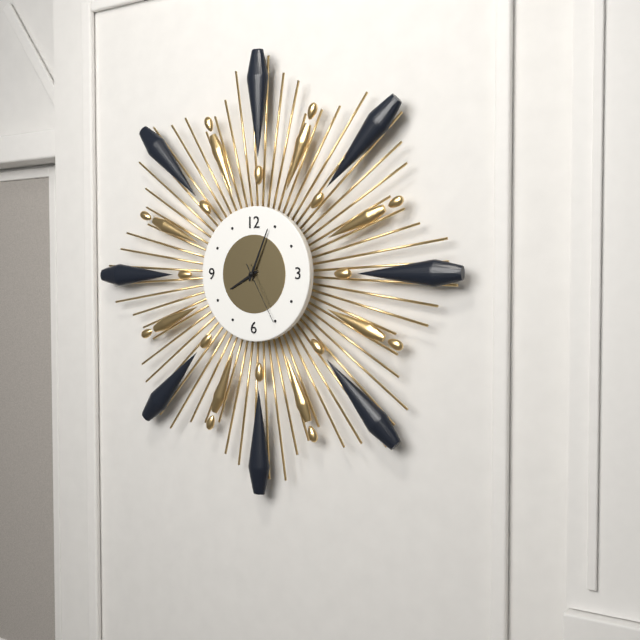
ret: **8:04:25**
